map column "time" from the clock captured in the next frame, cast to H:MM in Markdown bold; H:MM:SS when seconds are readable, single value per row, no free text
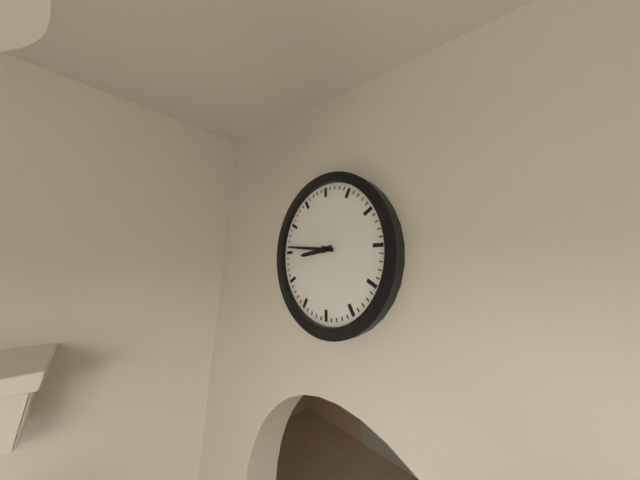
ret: **8:46**
